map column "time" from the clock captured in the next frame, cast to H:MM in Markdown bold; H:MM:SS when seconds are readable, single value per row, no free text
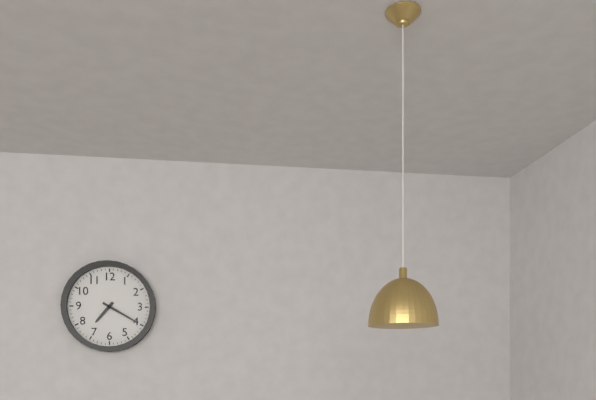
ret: **7:20**
